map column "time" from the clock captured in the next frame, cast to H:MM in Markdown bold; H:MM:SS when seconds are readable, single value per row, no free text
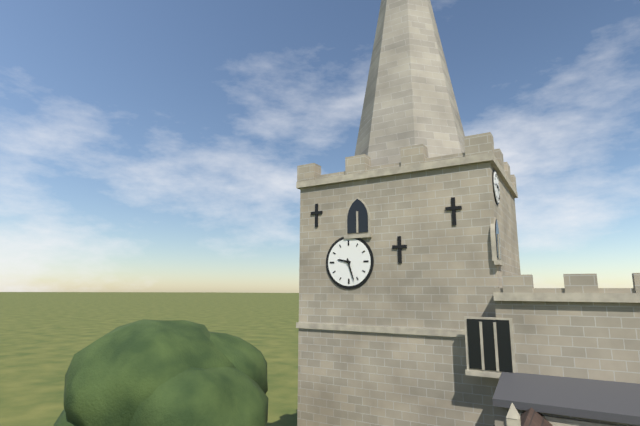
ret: **9:27**
